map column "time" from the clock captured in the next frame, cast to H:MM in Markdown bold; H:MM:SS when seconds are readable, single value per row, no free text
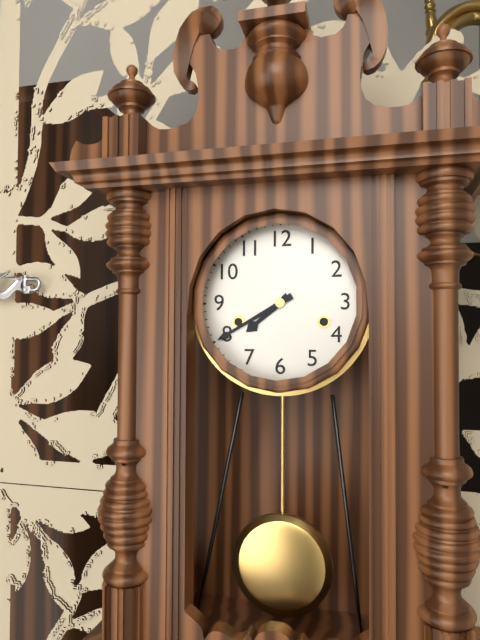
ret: **7:40**
